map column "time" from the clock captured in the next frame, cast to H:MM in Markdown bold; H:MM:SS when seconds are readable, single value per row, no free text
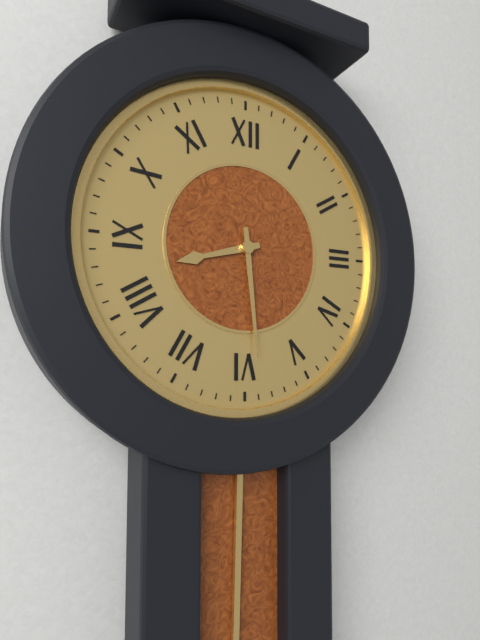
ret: **8:29**
